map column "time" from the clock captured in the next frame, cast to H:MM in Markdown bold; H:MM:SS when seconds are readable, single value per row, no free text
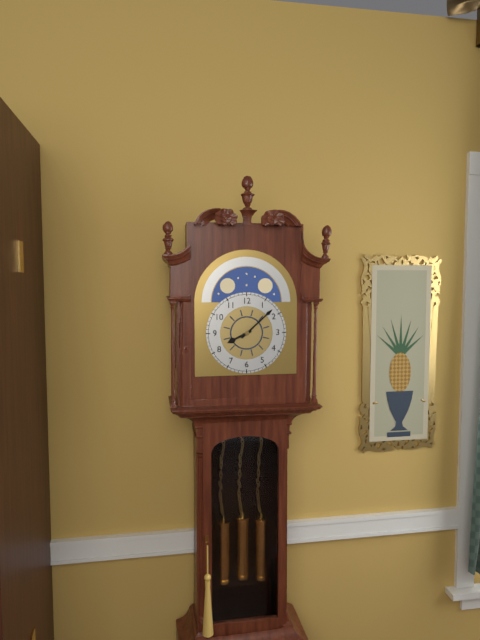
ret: **8:08**
